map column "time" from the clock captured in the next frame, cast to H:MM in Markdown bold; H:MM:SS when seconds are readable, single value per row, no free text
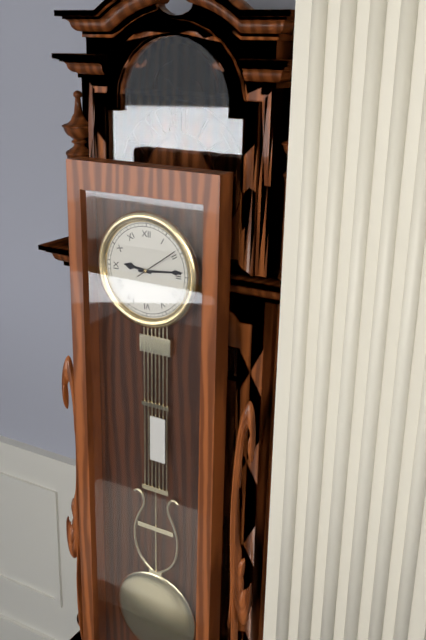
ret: **9:14**
